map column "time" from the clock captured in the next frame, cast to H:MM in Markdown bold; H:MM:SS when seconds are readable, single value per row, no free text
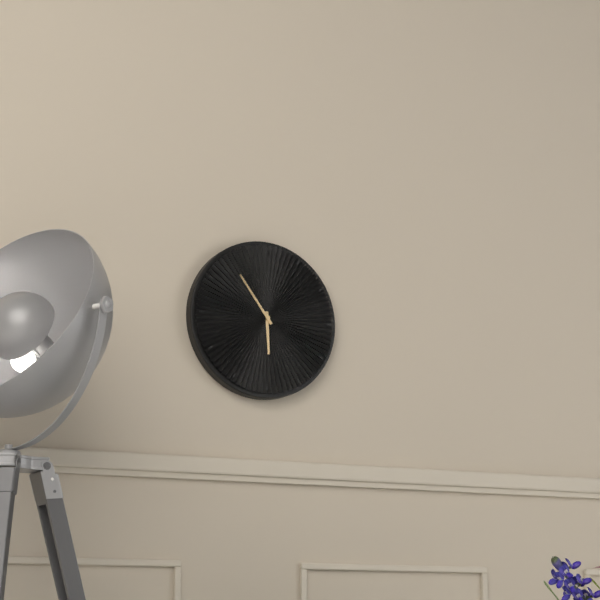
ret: **5:54**
